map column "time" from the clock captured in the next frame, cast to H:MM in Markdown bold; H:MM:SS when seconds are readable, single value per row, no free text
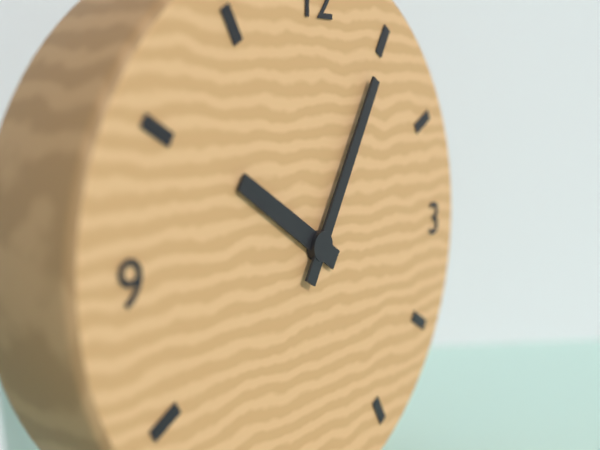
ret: **10:05**
